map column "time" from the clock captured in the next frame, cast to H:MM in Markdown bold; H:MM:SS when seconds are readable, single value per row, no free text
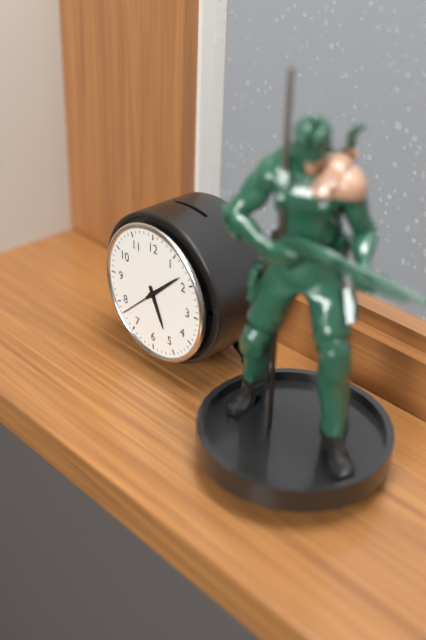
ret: **5:08**
